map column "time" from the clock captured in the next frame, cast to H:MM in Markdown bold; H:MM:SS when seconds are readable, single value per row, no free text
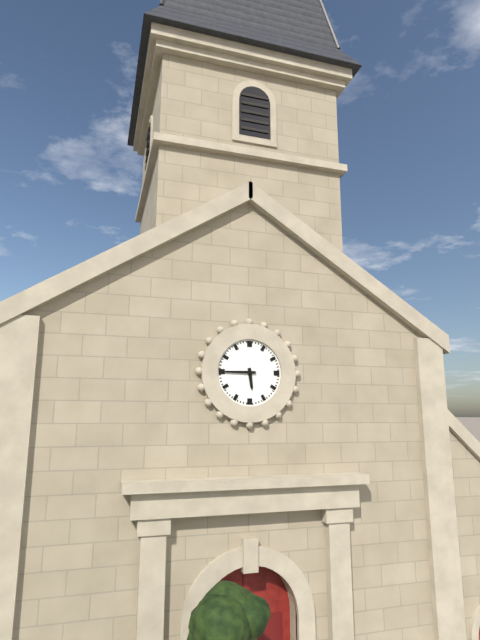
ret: **5:45**
